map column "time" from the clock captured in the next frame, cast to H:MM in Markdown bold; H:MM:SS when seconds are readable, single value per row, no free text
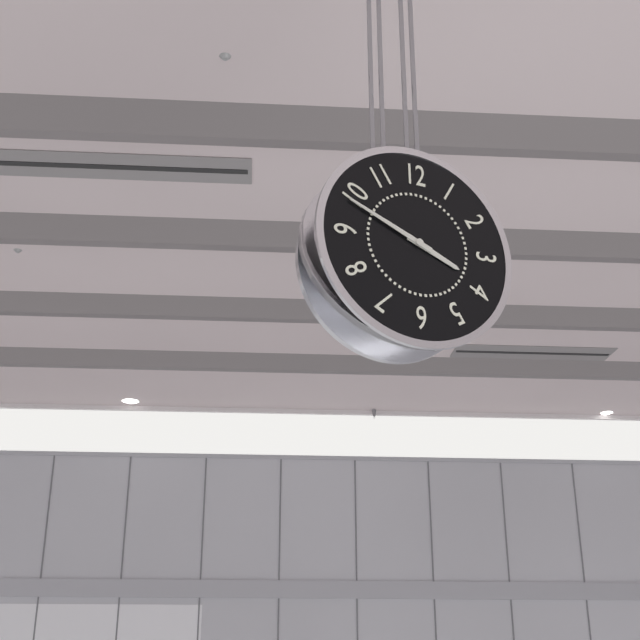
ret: **3:49**
